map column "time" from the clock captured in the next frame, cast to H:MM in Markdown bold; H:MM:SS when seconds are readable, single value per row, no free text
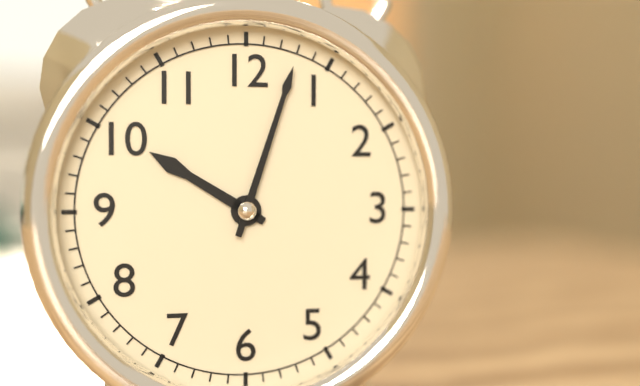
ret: **10:03**
